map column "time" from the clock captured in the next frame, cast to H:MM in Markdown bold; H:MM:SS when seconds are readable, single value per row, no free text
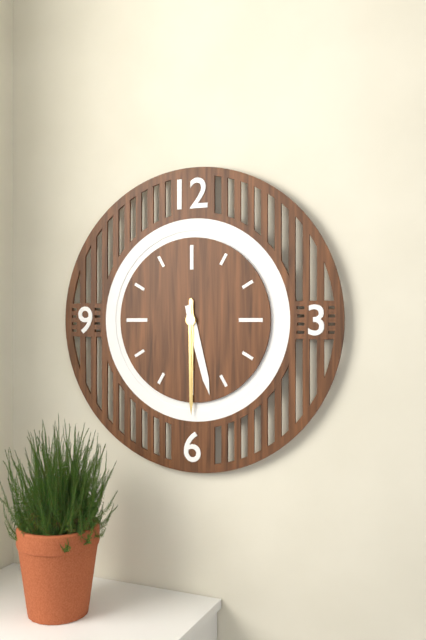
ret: **5:30:30**
